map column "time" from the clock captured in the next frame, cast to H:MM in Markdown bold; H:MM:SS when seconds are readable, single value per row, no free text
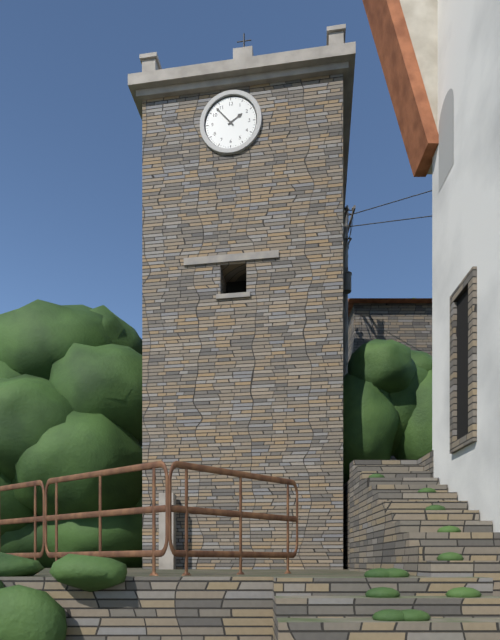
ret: **1:53**
